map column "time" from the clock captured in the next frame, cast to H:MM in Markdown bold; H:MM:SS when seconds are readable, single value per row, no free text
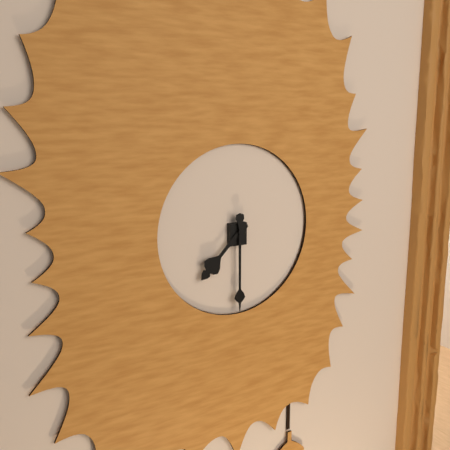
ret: **7:30**
